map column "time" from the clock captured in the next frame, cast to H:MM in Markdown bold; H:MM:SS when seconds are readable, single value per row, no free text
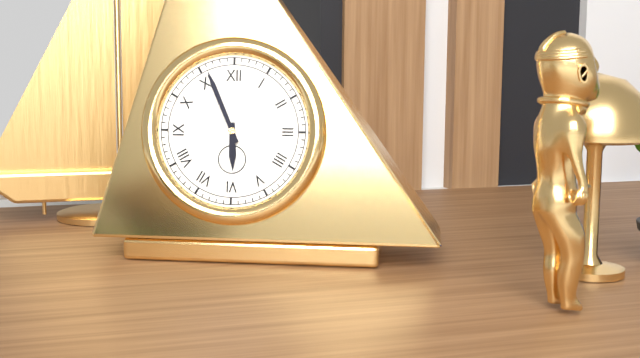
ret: **5:56**
